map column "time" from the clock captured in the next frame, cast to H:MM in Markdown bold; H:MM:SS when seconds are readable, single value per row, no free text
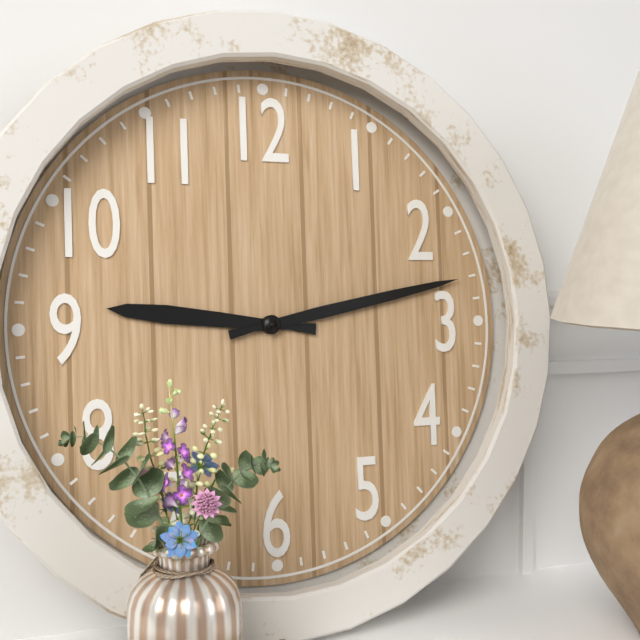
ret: **9:13**
